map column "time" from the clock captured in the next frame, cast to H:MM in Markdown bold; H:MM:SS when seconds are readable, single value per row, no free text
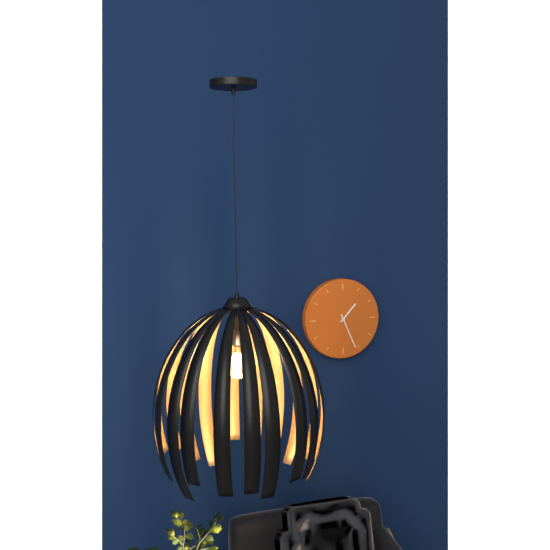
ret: **1:26**
